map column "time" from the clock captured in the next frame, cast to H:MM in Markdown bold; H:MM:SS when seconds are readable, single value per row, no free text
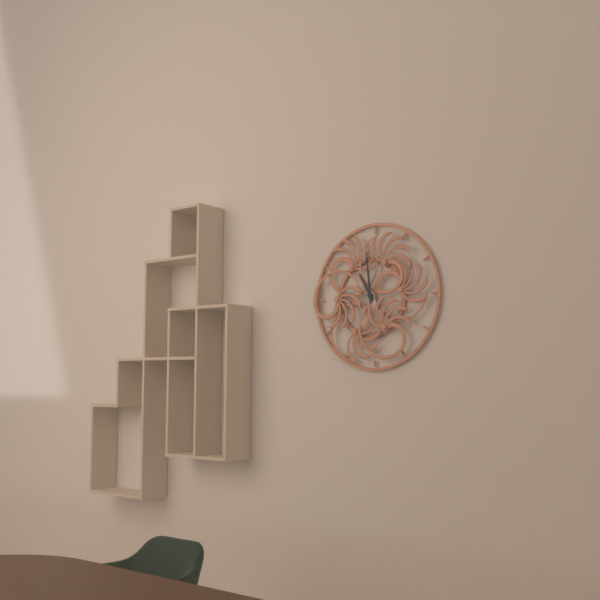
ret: **10:59**
